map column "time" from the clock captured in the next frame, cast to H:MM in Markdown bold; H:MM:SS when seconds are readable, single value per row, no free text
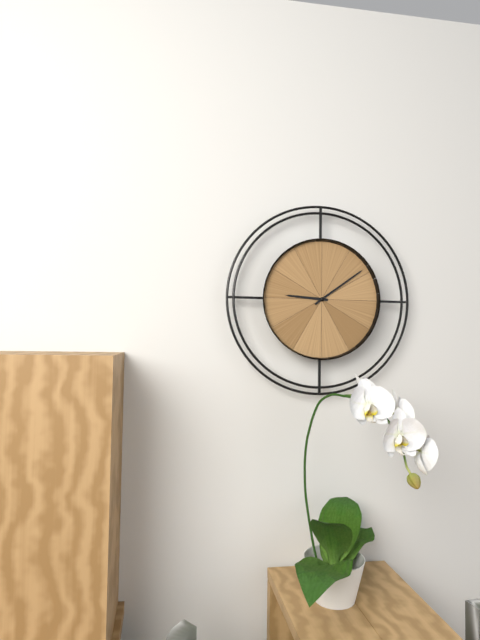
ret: **9:09**
